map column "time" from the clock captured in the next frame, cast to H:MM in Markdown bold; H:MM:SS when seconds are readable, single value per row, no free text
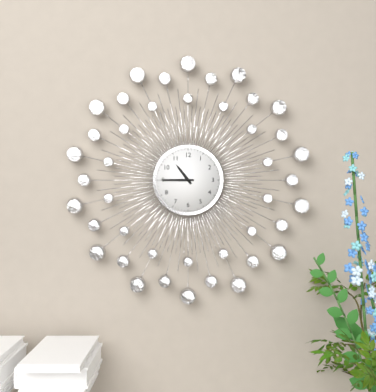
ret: **10:45**
